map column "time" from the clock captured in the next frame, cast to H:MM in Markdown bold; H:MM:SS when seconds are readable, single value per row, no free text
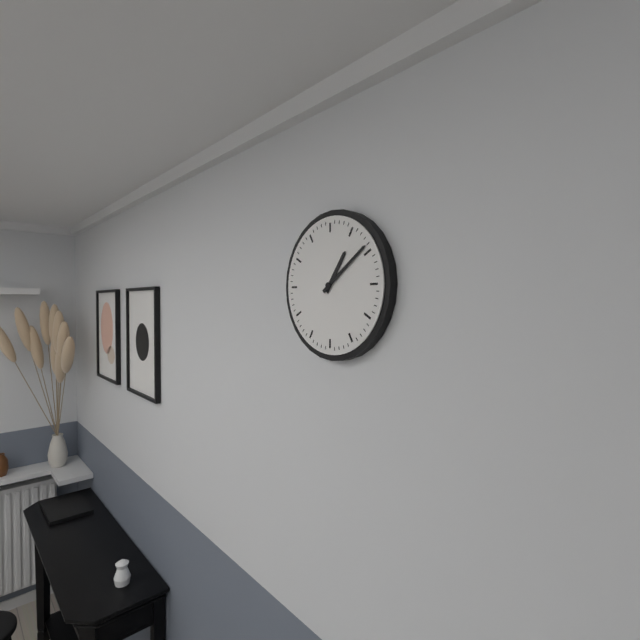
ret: **1:09**
